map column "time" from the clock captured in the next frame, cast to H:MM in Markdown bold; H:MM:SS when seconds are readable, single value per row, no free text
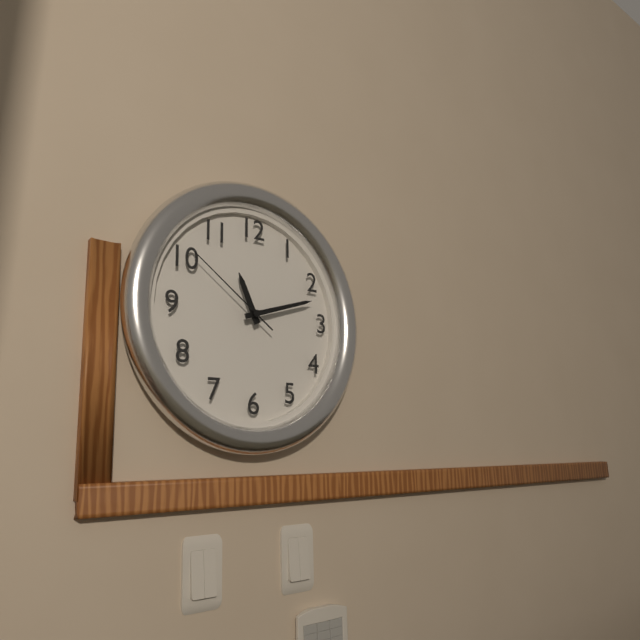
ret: **11:12:51**
